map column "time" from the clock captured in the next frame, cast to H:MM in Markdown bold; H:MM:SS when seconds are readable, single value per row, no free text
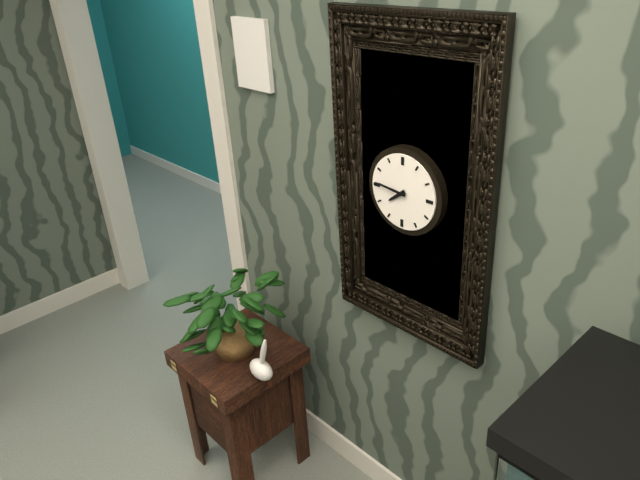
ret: **7:46**
